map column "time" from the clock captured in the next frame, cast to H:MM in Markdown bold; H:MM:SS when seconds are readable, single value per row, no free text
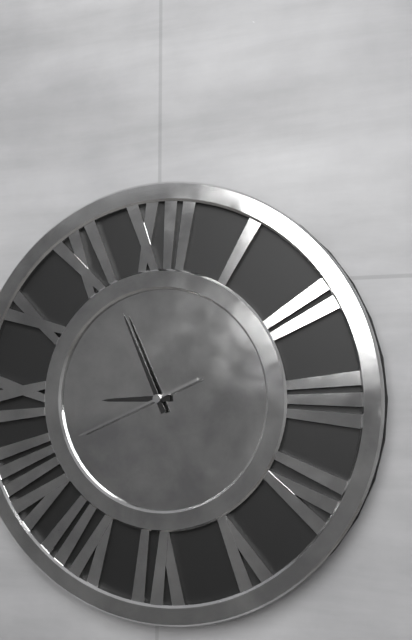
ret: **8:56:41**
